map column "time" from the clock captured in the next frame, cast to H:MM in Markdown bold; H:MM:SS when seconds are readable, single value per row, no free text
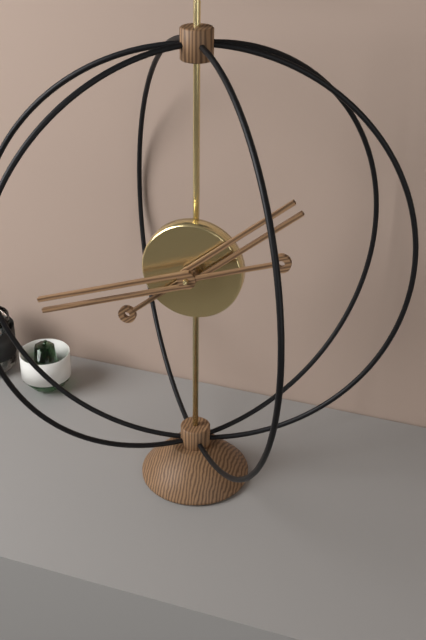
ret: **1:42**
